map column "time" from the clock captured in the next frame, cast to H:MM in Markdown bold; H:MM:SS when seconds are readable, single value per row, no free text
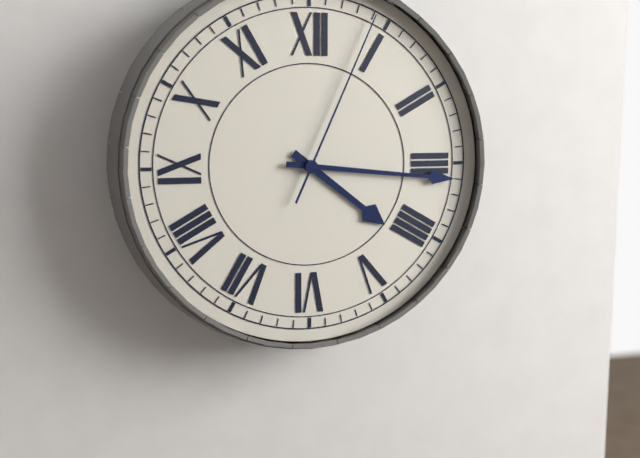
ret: **4:16:04**
